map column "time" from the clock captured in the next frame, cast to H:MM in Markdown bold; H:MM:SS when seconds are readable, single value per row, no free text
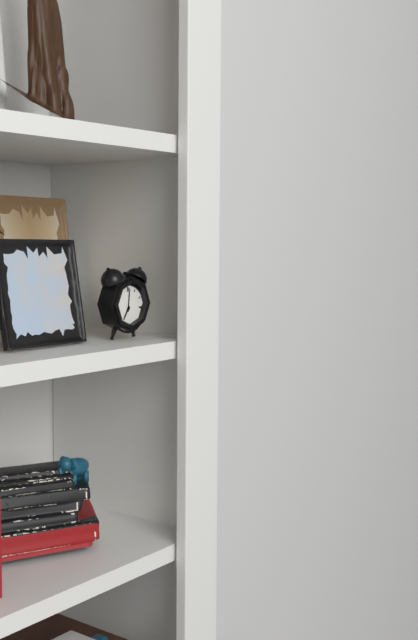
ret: **7:01**
